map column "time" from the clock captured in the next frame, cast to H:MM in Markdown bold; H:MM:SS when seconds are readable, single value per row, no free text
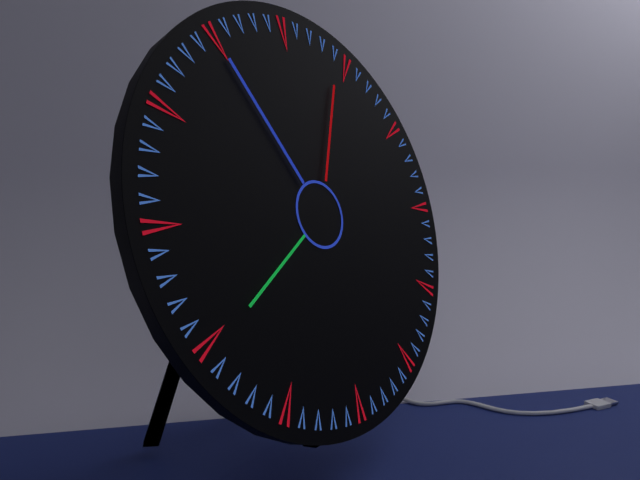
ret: **7:55:04**
